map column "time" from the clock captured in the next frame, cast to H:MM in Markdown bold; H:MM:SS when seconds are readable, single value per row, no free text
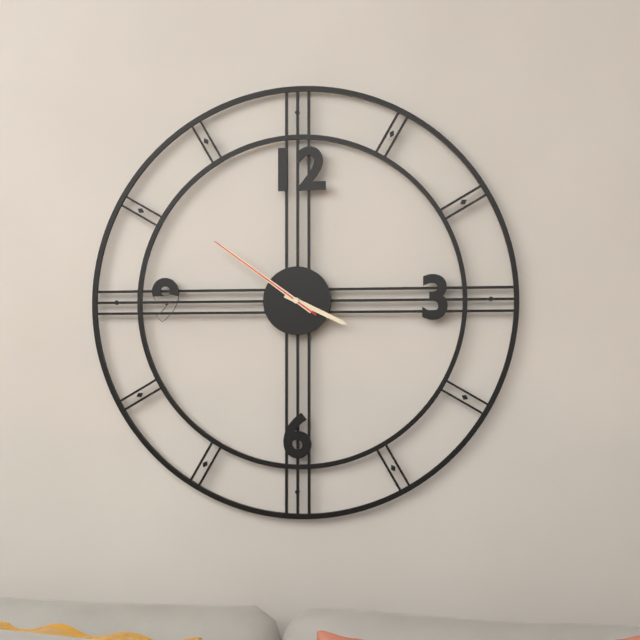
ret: **3:51:51**
